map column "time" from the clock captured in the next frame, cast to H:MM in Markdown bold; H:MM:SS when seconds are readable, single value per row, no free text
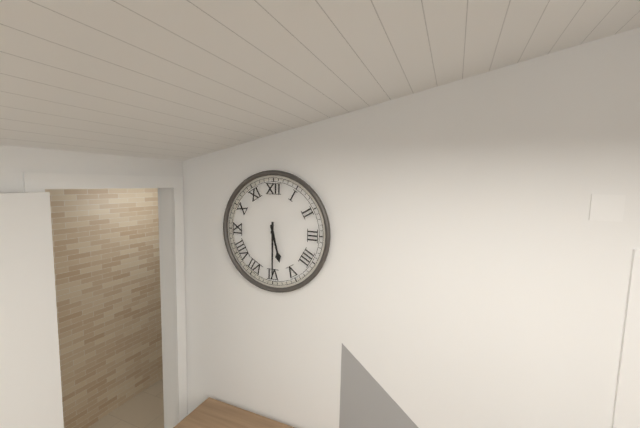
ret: **5:30**
